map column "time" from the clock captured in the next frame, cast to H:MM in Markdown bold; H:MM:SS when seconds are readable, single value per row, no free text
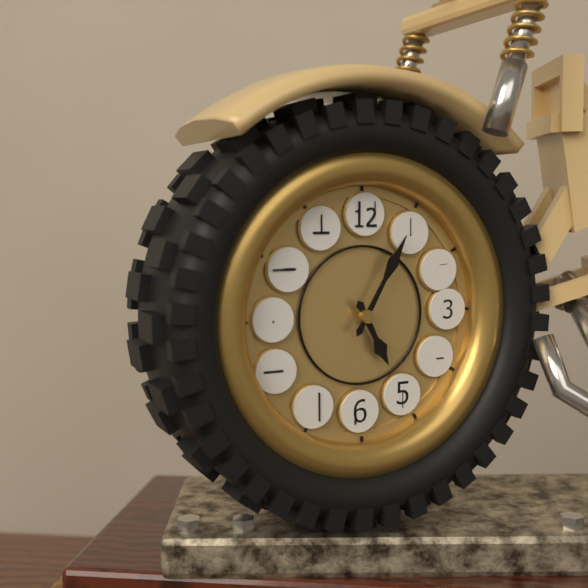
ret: **5:05**
